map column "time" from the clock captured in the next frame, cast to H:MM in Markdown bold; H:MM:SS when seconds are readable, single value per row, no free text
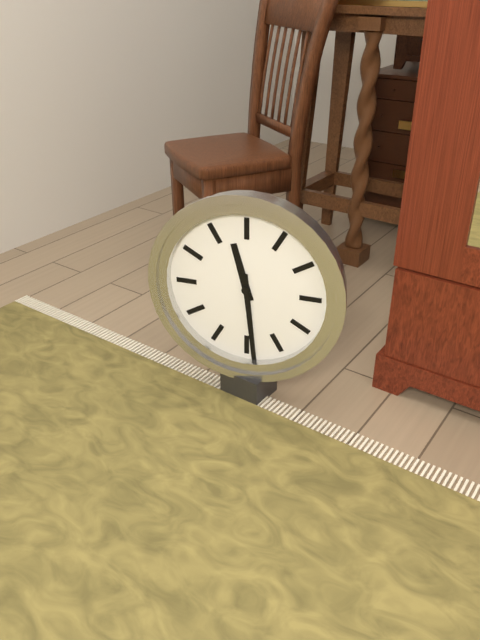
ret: **11:29**
